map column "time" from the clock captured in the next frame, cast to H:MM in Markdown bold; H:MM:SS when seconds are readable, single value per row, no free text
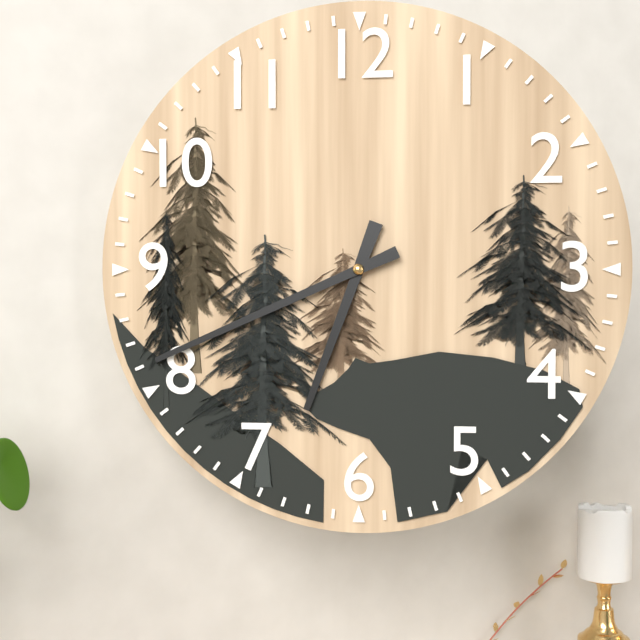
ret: **6:41**
